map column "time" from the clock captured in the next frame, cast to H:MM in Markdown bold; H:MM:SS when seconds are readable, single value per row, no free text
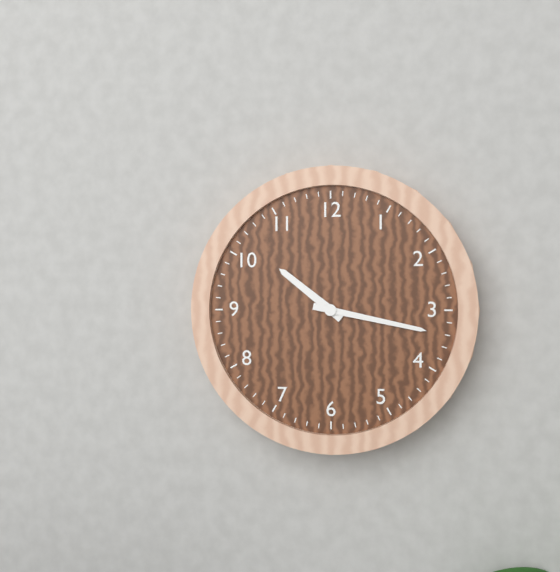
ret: **10:17**
